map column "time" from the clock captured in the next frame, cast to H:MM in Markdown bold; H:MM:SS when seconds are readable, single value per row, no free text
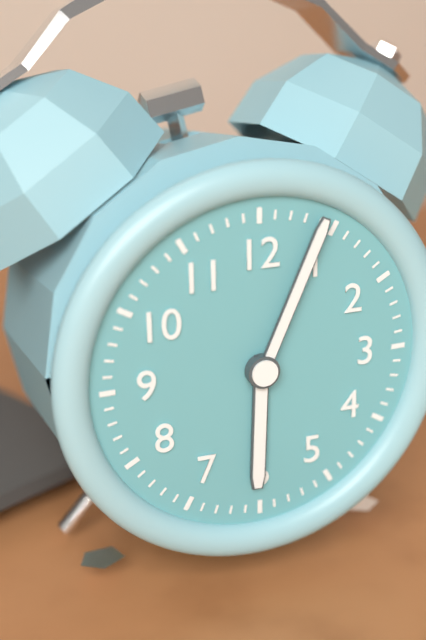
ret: **6:04**
